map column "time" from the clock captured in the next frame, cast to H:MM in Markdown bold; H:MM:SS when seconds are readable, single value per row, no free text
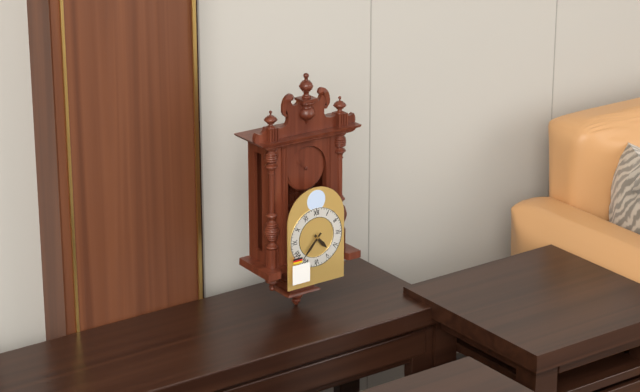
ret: **4:37**
